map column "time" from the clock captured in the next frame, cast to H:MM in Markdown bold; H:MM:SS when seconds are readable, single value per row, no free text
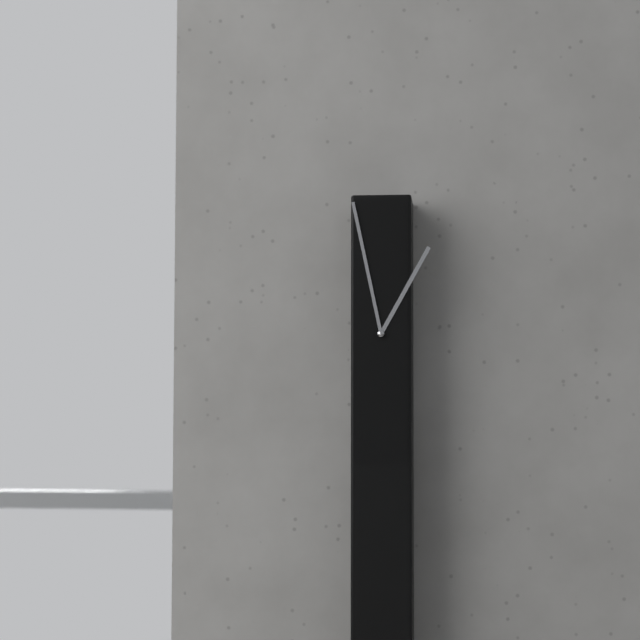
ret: **12:58**
